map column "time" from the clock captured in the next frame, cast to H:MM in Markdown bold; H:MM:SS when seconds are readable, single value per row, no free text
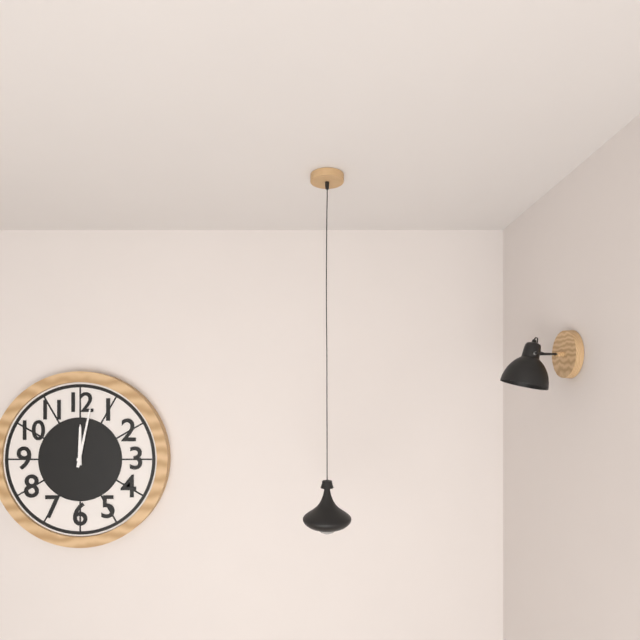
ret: **12:02**
